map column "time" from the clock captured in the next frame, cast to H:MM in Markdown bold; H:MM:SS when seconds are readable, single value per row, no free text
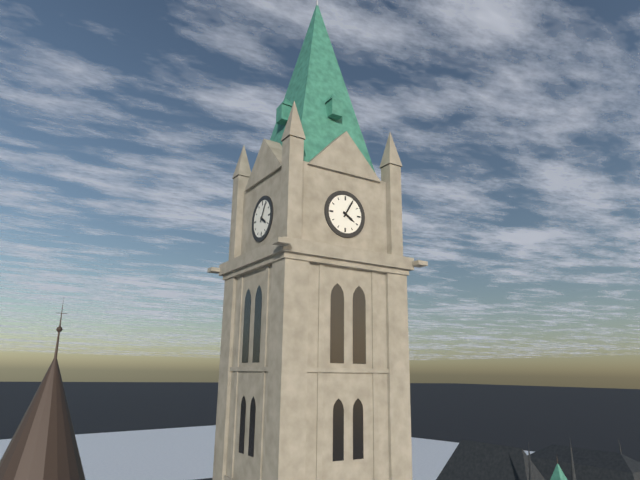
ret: **4:05**
